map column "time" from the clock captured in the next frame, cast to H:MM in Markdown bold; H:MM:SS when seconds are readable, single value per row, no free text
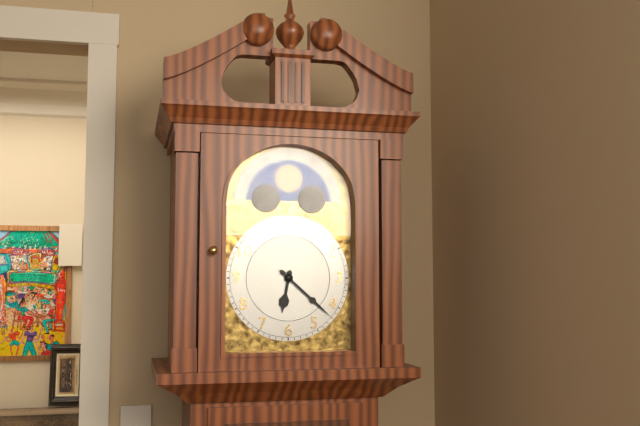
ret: **6:22**
